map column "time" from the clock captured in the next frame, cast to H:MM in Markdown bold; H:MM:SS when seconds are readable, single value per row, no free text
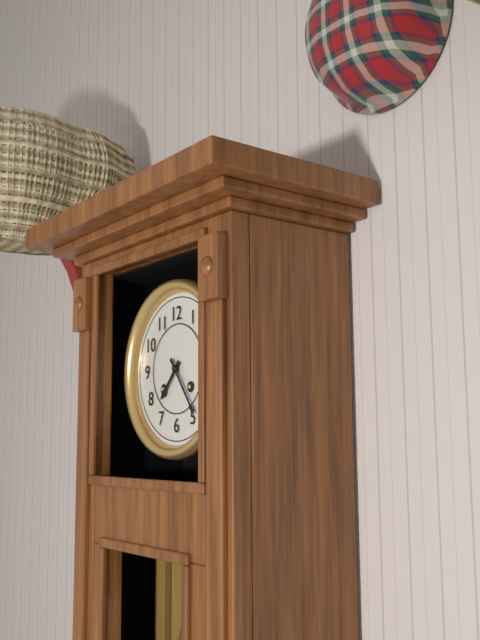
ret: **7:24**
